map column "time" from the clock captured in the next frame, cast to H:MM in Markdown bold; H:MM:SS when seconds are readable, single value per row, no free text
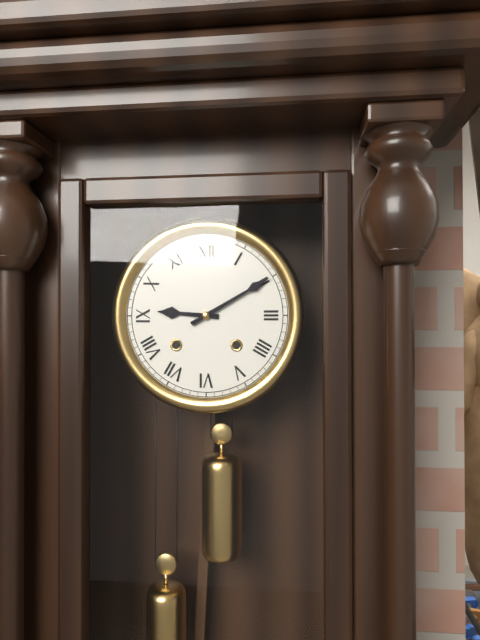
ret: **9:10**
